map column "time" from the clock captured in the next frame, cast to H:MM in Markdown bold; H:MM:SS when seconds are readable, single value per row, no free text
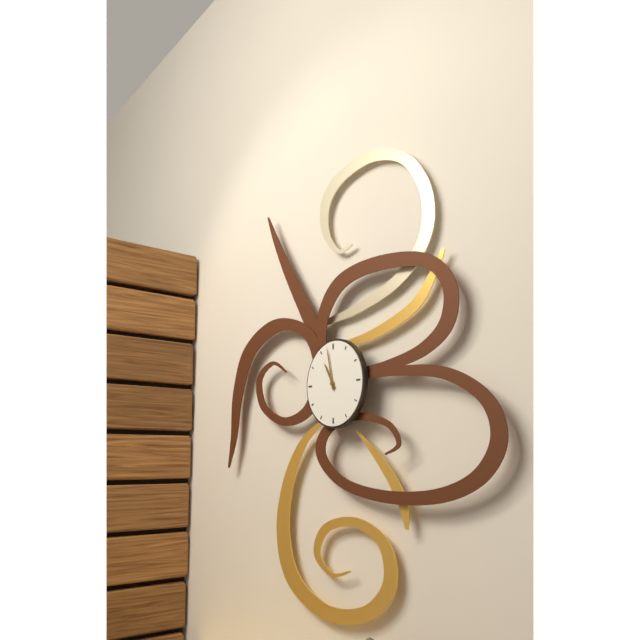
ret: **10:58**
